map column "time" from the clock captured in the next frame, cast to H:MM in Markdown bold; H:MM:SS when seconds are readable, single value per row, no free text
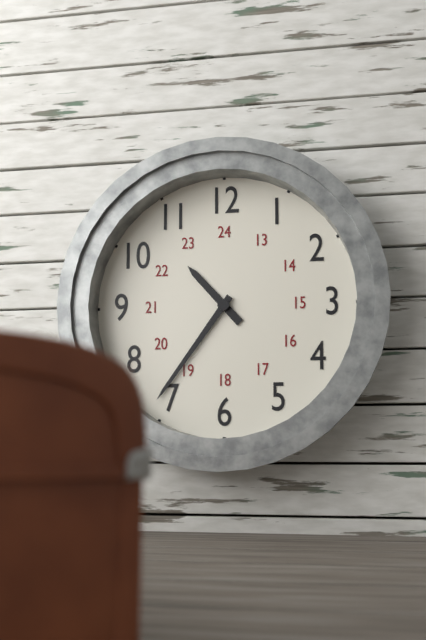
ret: **10:36**
